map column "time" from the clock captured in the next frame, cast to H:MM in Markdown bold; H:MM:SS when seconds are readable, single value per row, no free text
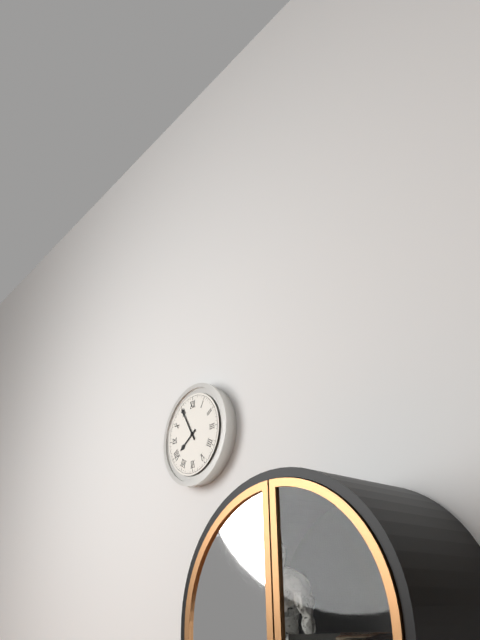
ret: **7:55**
